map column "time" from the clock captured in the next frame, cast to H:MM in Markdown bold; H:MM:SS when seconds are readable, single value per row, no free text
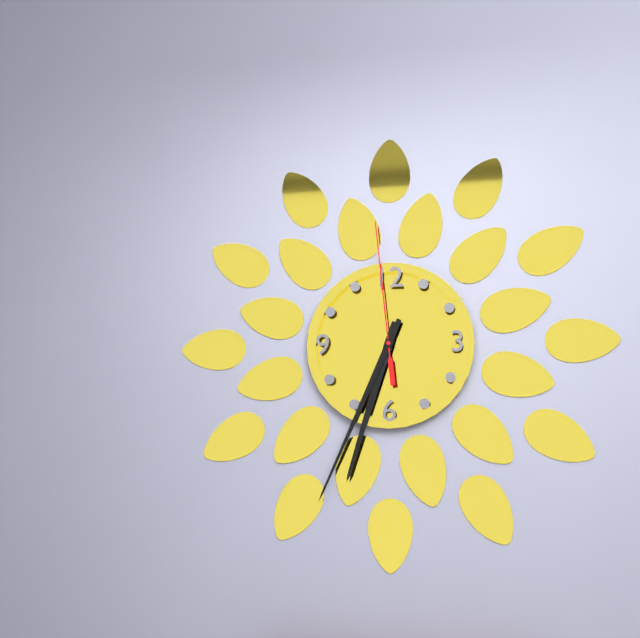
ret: **6:34:59**
